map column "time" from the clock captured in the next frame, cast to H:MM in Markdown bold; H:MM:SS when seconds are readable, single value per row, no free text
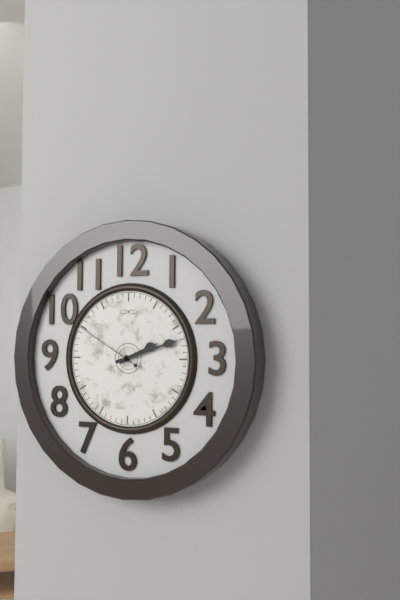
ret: **2:12:50**
